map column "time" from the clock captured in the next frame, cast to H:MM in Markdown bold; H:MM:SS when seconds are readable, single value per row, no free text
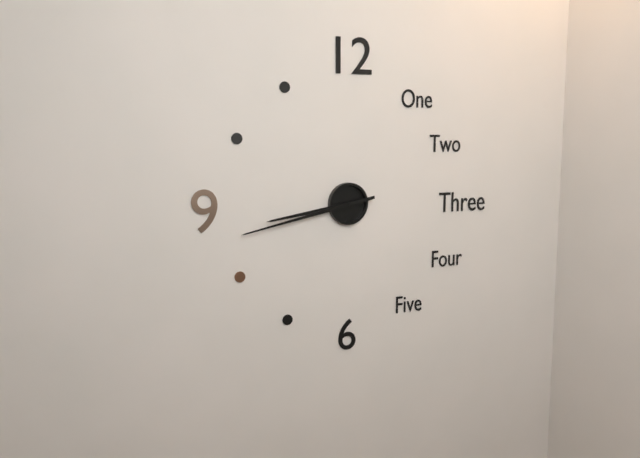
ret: **8:43**
